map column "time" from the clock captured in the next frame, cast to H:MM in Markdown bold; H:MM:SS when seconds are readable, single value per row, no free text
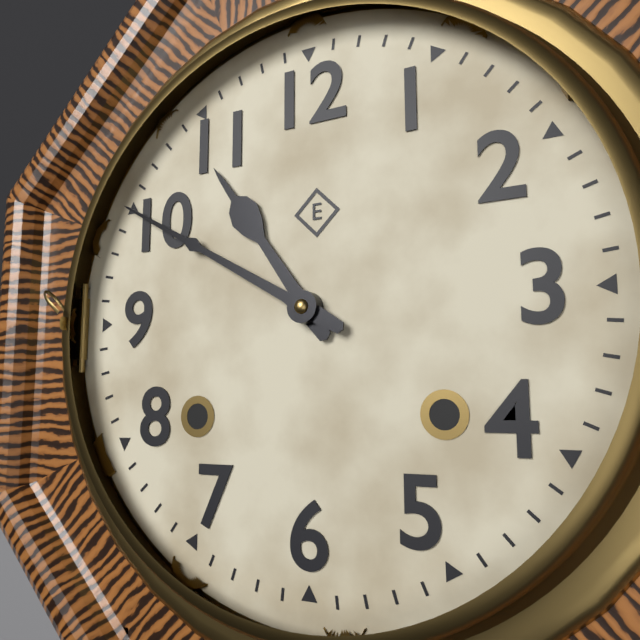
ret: **10:50**
